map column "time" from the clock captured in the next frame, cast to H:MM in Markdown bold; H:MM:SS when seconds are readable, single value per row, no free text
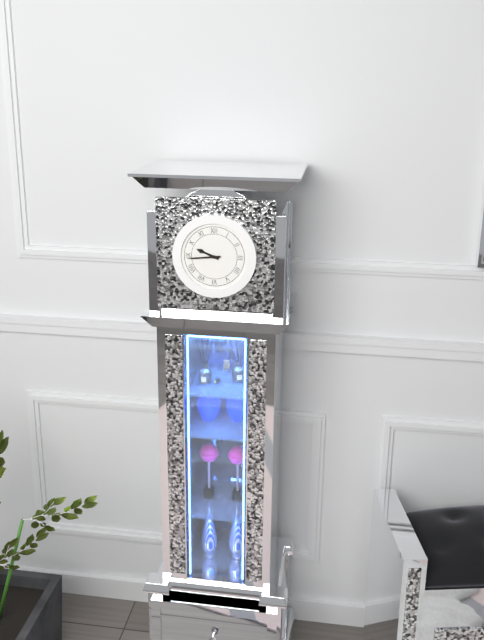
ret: **9:44**
